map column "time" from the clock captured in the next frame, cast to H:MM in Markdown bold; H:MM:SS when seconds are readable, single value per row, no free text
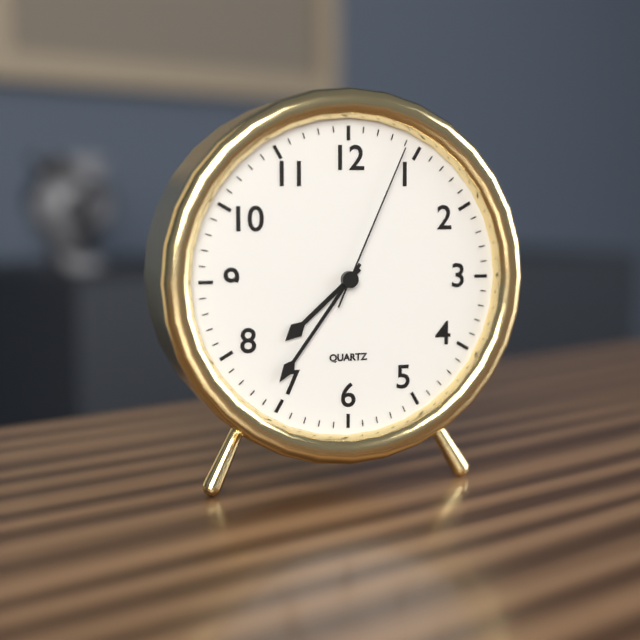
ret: **7:36:04**
